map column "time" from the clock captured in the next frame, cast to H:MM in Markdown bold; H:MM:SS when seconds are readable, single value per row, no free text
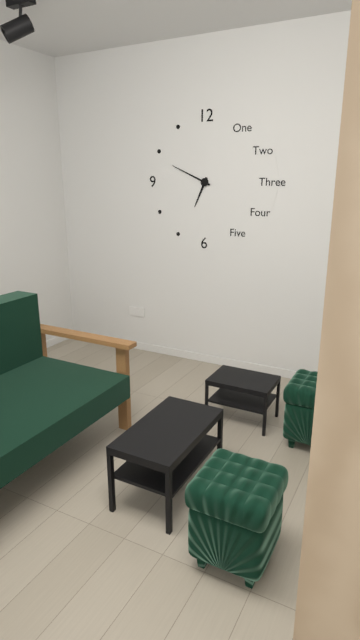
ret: **6:49**
